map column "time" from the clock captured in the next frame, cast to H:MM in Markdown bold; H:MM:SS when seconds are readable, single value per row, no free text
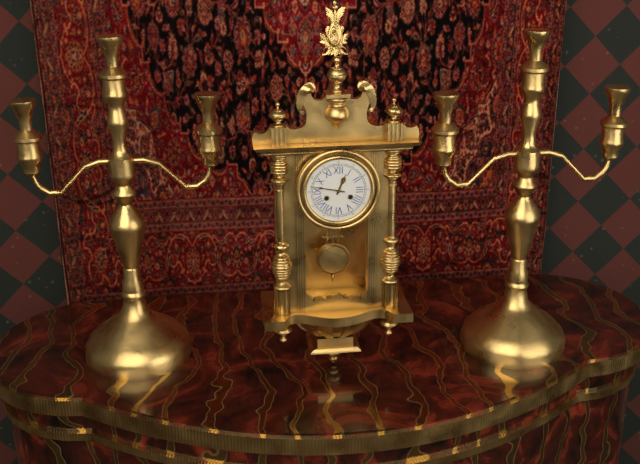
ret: **12:47**
